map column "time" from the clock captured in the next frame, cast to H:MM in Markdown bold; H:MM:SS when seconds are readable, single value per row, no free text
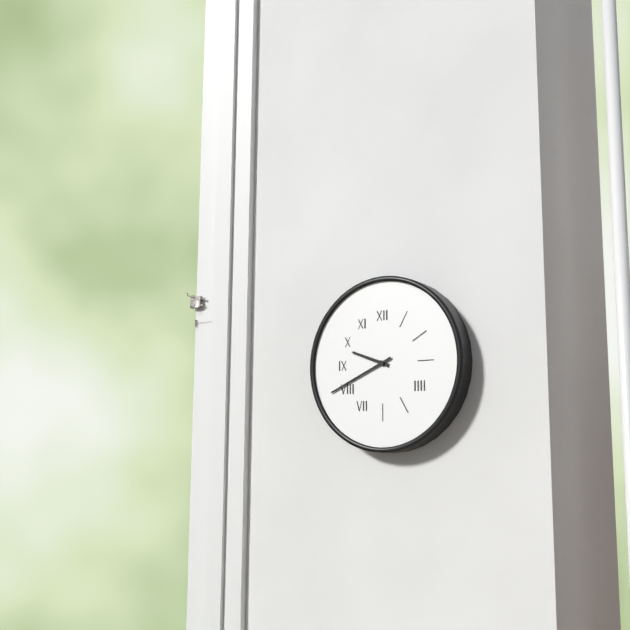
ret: **9:41**
